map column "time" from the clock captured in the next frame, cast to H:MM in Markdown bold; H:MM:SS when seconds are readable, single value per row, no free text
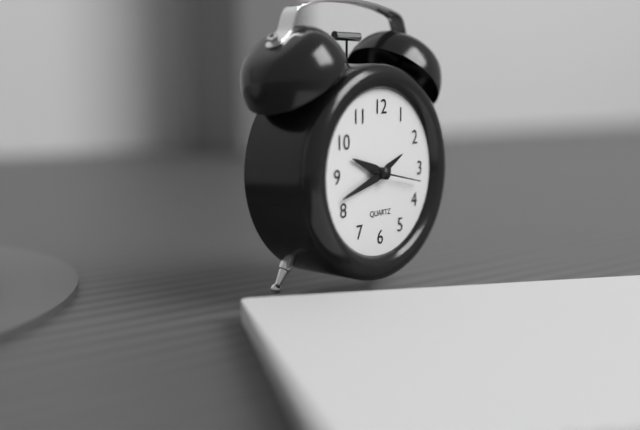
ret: **9:42**
